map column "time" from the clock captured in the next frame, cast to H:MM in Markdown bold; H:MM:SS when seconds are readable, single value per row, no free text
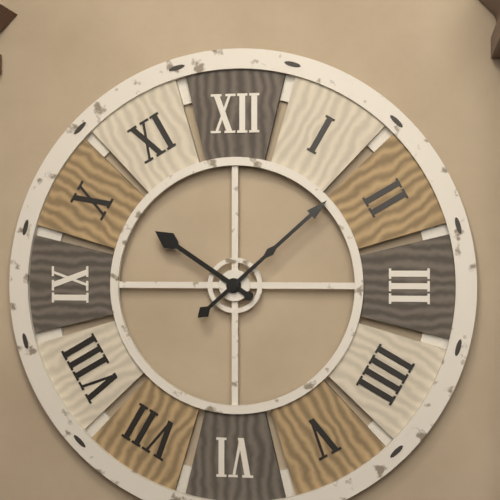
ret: **10:08**
